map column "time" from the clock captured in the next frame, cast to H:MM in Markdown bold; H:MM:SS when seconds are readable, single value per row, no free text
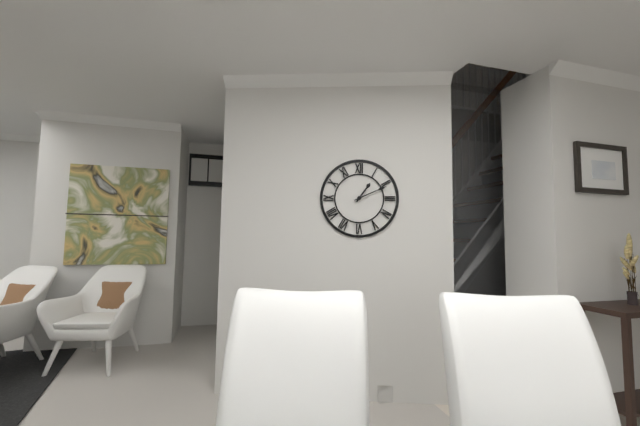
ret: **1:11**
